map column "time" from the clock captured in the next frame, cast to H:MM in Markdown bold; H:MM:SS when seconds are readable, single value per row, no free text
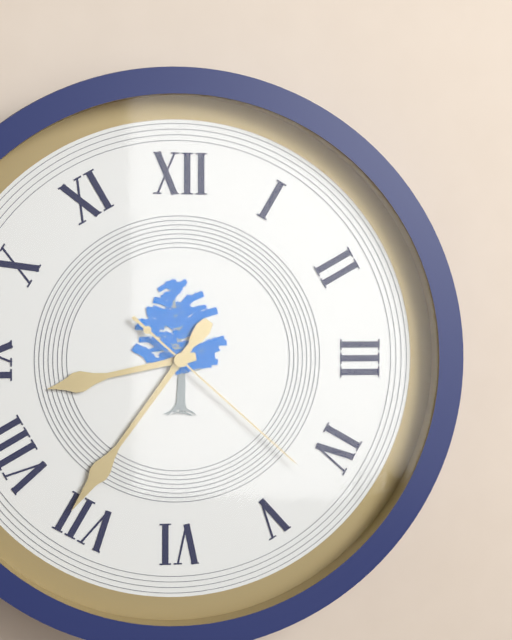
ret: **8:36:22**
